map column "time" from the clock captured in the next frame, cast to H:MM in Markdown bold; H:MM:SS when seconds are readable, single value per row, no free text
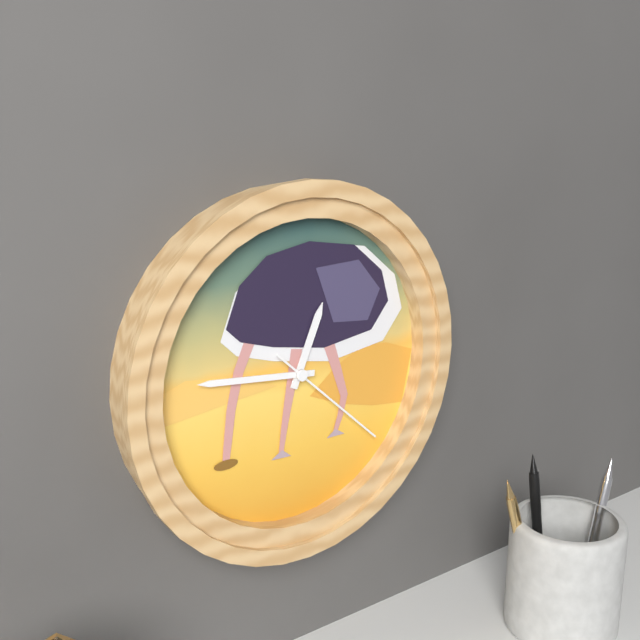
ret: **12:46:22**
